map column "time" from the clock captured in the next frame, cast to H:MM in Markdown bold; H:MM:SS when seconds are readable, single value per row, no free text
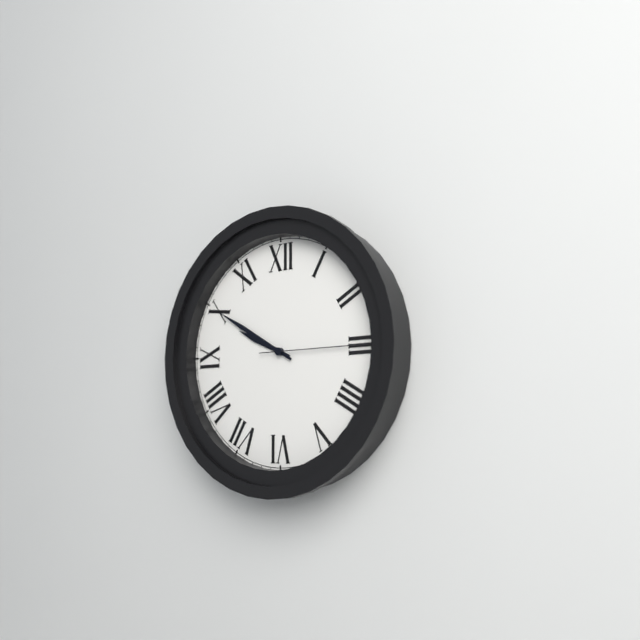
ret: **9:50:15**
